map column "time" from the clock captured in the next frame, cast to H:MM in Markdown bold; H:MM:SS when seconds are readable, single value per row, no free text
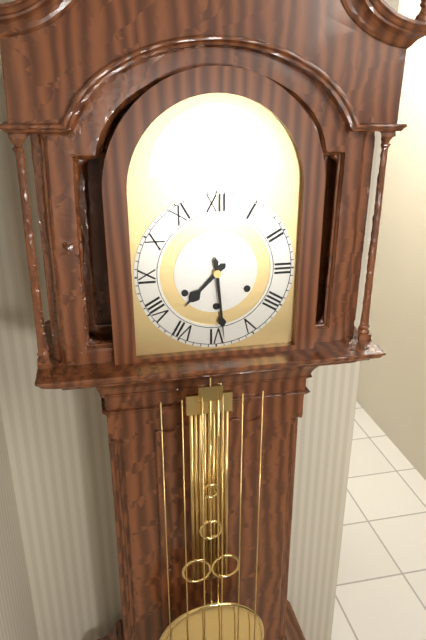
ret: **7:29**
